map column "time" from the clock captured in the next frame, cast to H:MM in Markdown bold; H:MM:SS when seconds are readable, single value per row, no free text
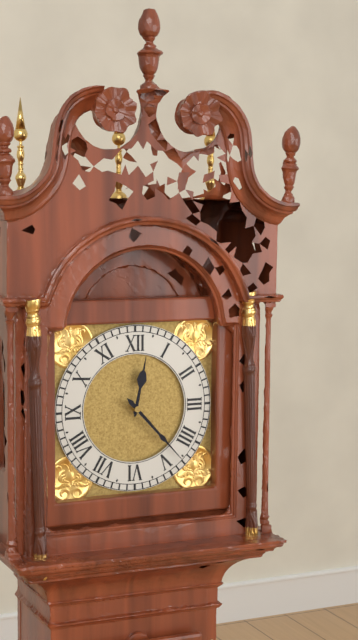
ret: **12:23**
